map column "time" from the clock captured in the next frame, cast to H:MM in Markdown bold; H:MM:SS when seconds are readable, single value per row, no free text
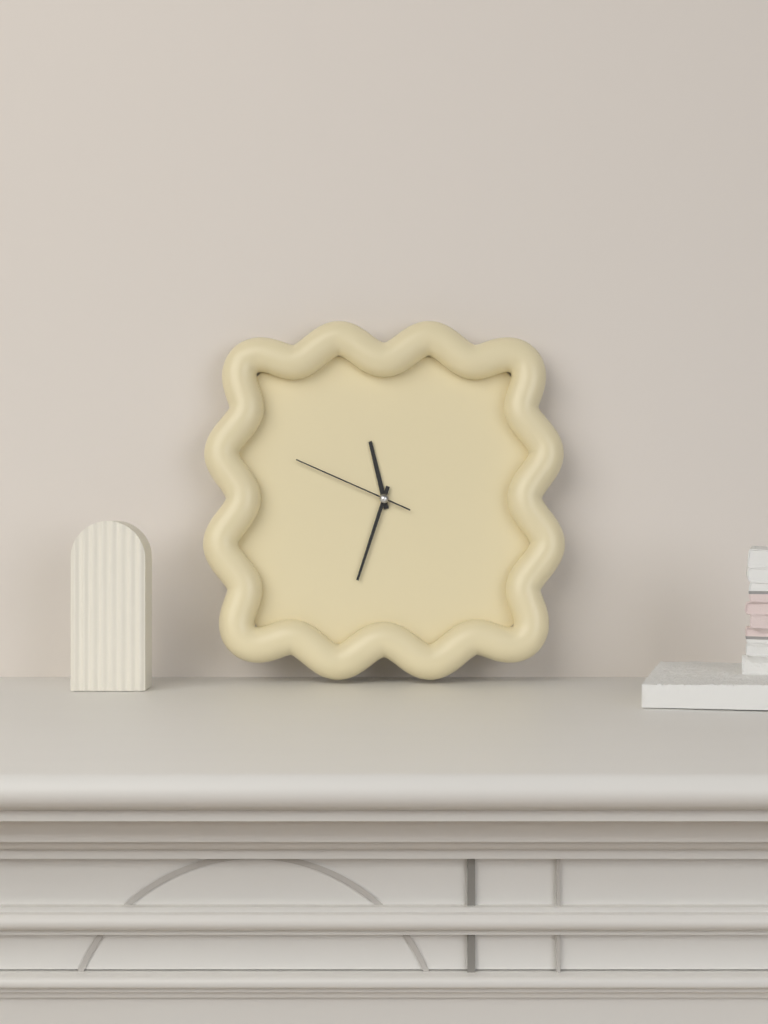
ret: **11:33:49**
